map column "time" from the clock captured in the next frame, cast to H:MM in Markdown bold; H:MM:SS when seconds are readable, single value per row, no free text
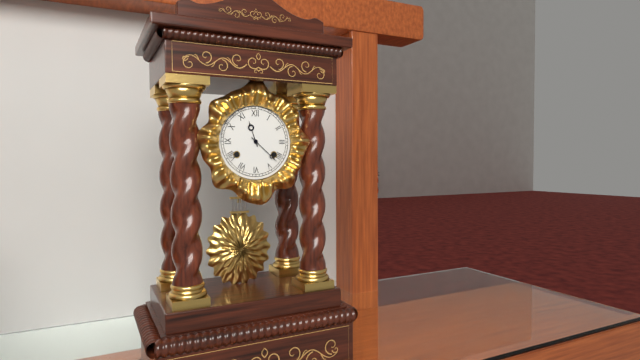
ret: **11:22**
